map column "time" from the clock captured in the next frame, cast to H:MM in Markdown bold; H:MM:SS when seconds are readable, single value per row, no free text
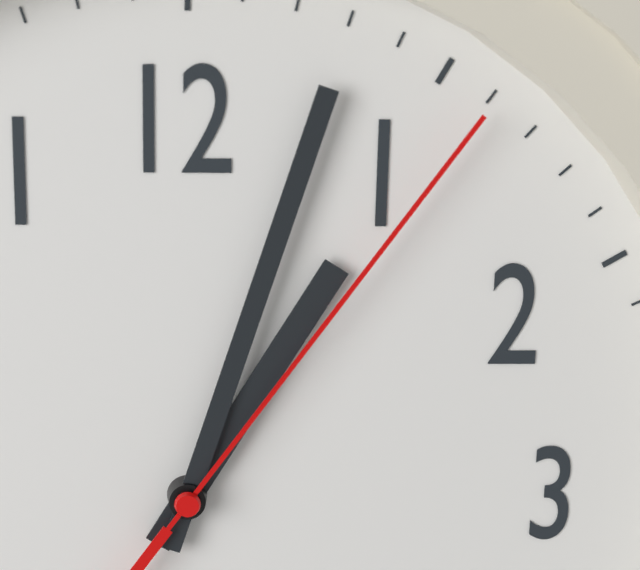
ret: **1:03:06**
